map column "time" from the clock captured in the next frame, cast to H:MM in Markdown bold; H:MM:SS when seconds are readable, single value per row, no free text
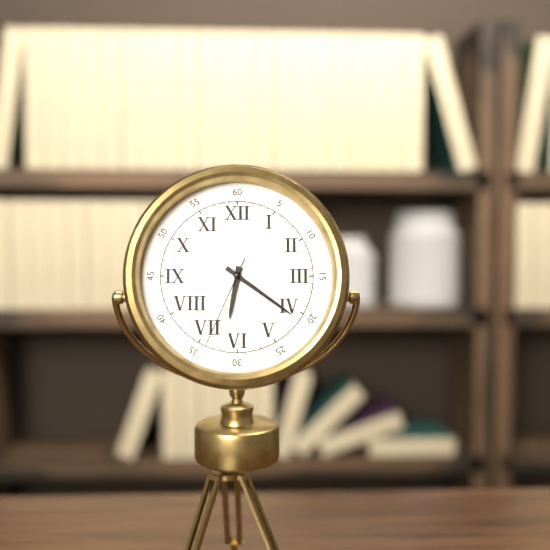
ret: **6:21:34**
